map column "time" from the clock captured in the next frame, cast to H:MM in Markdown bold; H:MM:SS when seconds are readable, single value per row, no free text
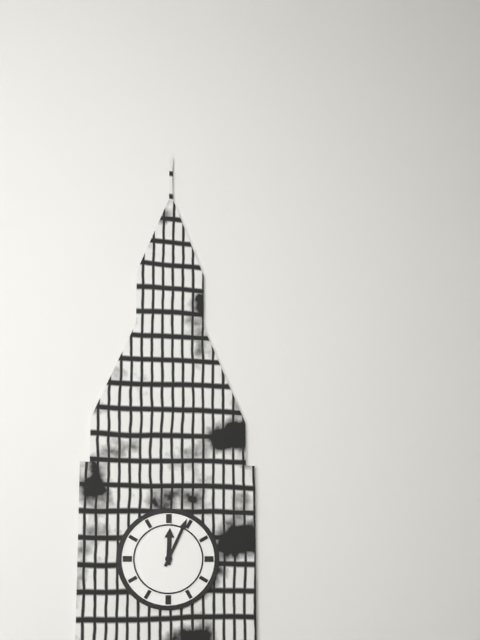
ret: **12:04**
